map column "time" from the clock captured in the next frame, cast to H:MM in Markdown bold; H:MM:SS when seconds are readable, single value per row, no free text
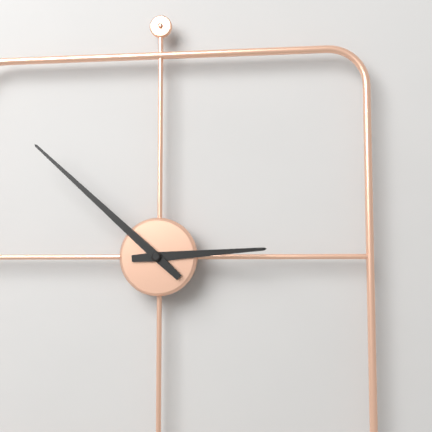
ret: **2:52**
